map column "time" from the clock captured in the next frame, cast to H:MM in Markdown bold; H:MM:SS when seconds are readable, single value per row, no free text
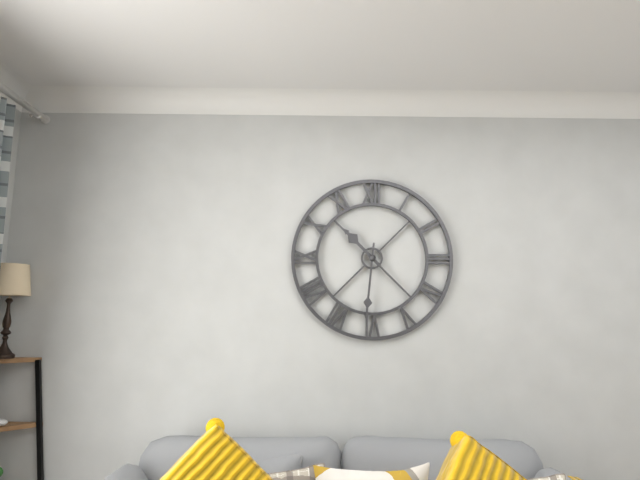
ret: **10:31**
